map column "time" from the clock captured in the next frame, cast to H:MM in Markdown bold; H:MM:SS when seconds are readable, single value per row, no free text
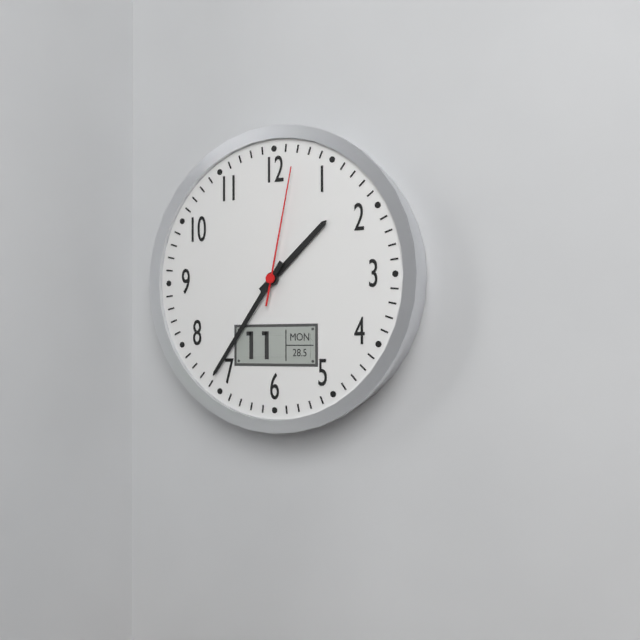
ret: **1:36:02**
